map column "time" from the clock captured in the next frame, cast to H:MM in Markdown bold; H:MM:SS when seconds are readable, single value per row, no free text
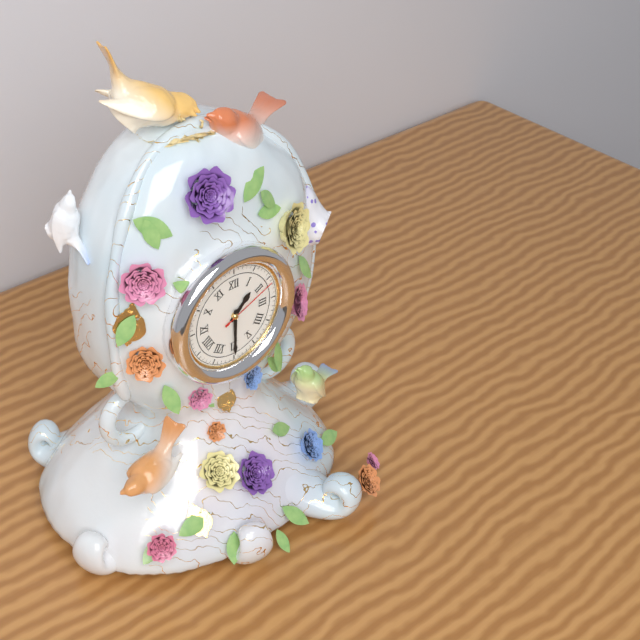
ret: **1:30:11**
